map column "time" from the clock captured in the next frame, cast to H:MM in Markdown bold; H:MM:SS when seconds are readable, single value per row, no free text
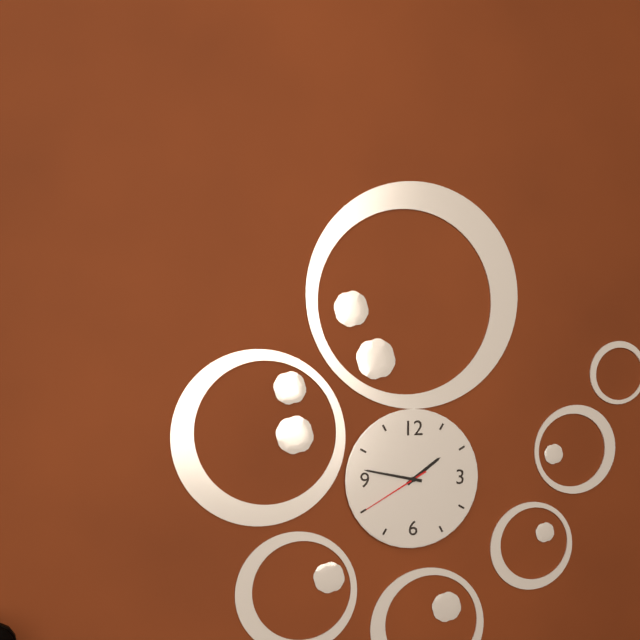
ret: **1:47:40**
